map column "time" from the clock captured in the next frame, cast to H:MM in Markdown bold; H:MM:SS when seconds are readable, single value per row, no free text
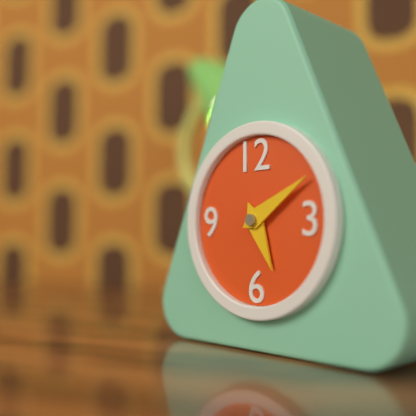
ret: **5:10**
